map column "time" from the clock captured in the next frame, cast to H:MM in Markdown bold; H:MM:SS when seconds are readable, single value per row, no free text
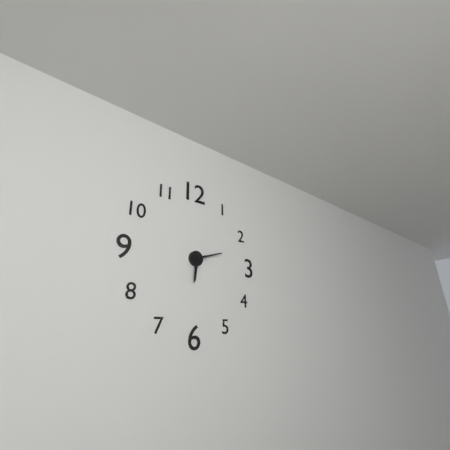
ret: **6:12**
